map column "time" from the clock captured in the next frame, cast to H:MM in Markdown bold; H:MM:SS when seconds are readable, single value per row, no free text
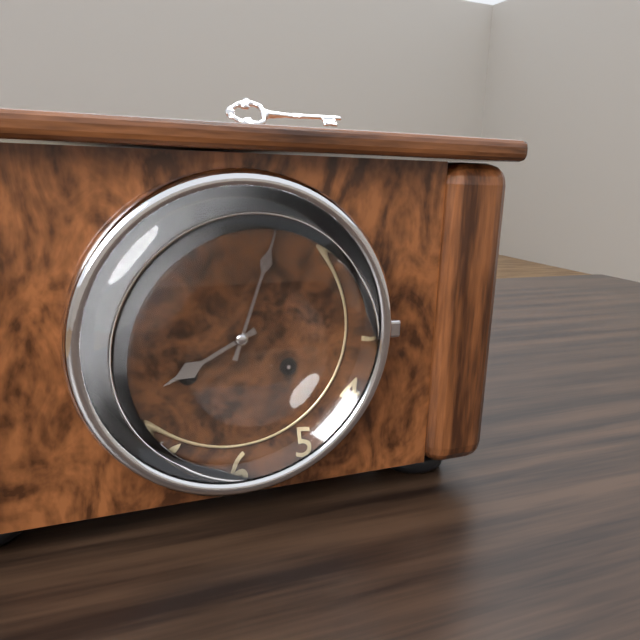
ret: **8:03**
